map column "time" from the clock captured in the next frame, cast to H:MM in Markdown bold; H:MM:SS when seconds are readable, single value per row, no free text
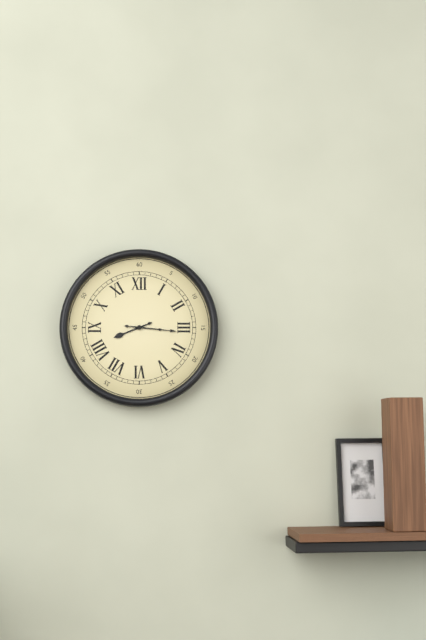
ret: **8:16**
